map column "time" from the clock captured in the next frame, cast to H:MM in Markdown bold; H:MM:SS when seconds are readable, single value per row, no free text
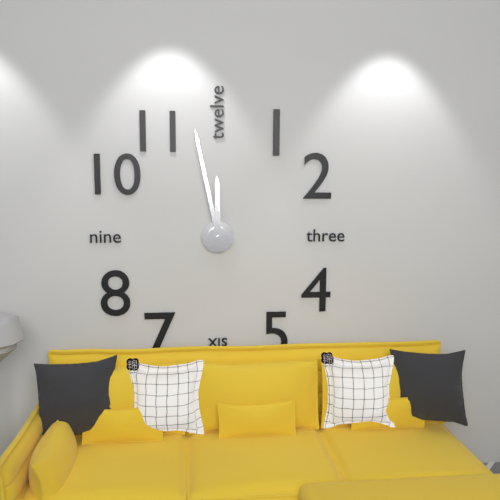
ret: **11:58**
